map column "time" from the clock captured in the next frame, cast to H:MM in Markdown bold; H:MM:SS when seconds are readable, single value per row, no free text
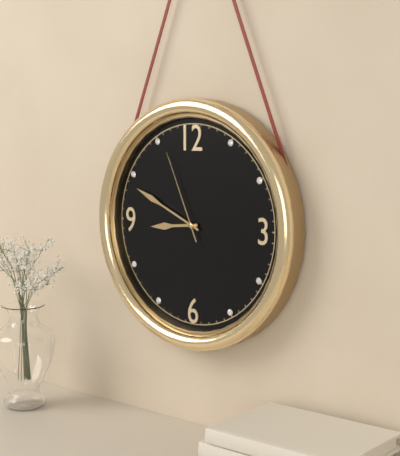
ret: **8:49:56**
